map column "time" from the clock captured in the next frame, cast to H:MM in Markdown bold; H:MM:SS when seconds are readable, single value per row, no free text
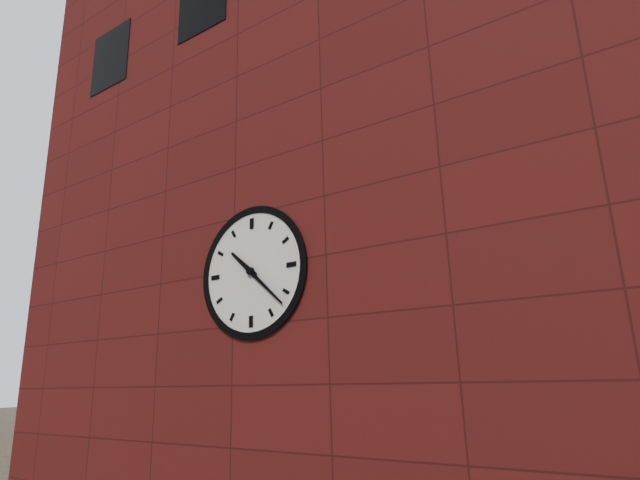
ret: **10:22**
